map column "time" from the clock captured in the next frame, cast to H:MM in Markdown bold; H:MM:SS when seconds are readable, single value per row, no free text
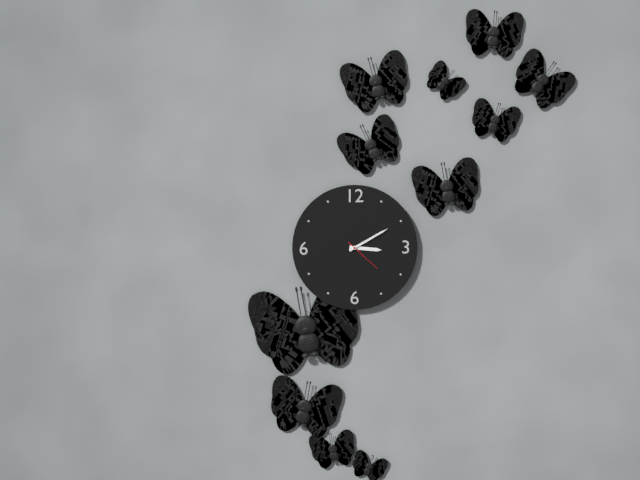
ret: **3:10**
